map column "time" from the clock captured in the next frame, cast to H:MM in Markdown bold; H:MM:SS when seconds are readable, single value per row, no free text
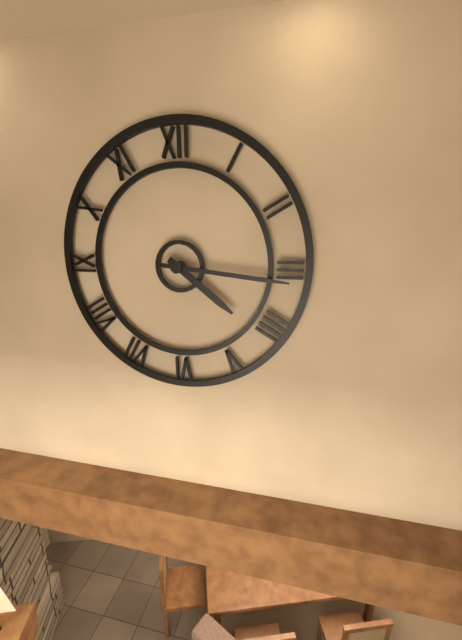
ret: **4:16**
